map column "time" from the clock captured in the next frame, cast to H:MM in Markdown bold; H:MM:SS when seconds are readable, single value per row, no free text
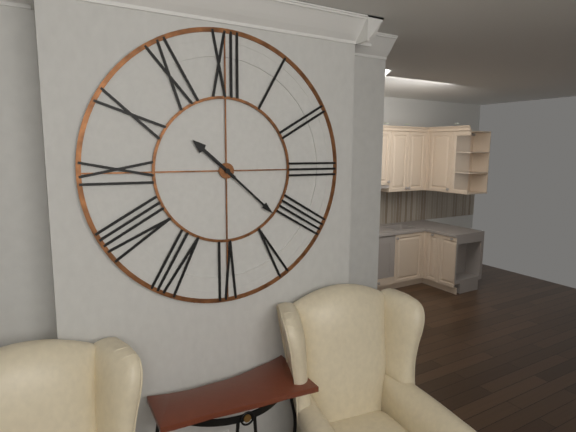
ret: **10:22**
